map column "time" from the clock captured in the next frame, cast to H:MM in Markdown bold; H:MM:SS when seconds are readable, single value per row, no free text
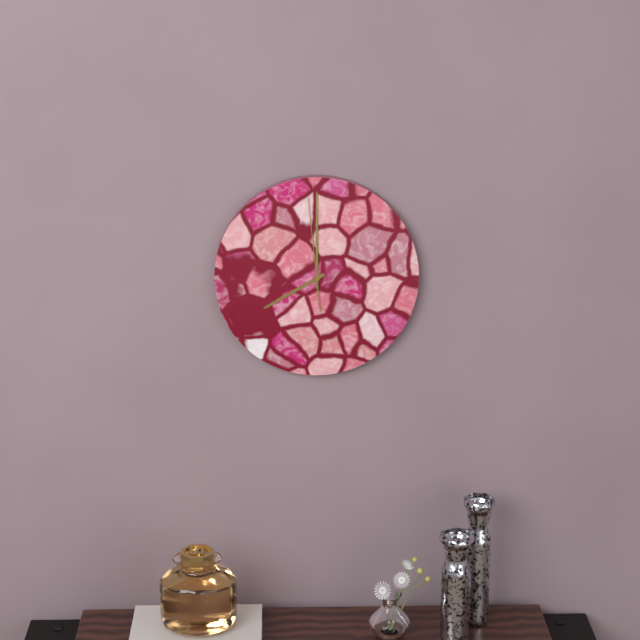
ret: **8:00:59**
